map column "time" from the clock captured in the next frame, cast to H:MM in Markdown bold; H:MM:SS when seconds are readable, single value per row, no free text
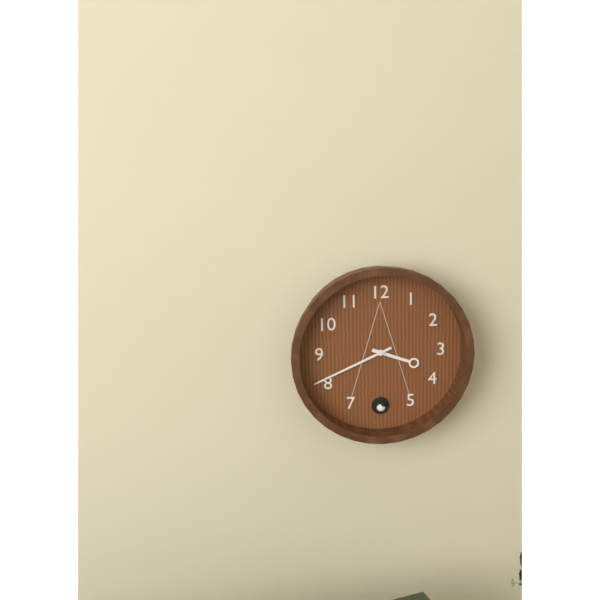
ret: **3:41**
